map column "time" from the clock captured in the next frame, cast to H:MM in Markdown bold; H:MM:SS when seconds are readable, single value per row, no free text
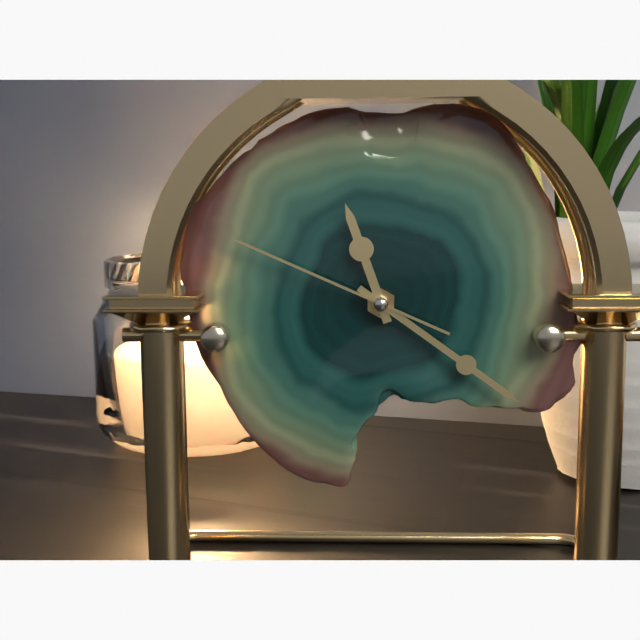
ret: **11:21:49**
